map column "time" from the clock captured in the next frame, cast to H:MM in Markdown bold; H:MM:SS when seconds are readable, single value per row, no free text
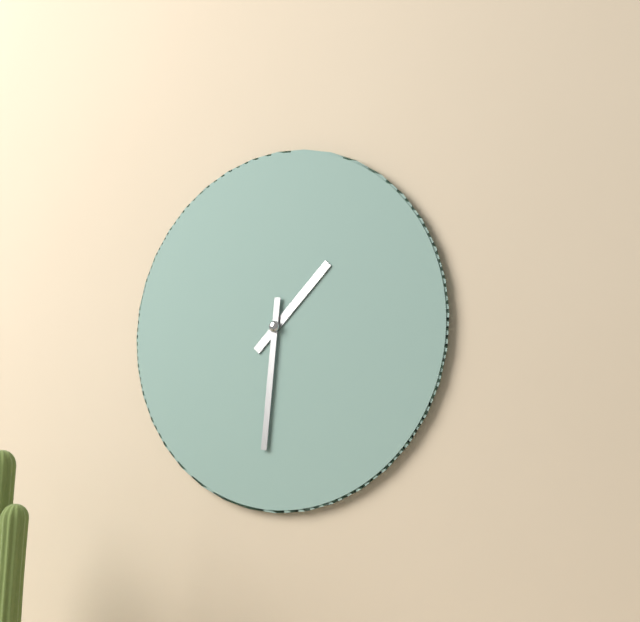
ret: **1:31**
